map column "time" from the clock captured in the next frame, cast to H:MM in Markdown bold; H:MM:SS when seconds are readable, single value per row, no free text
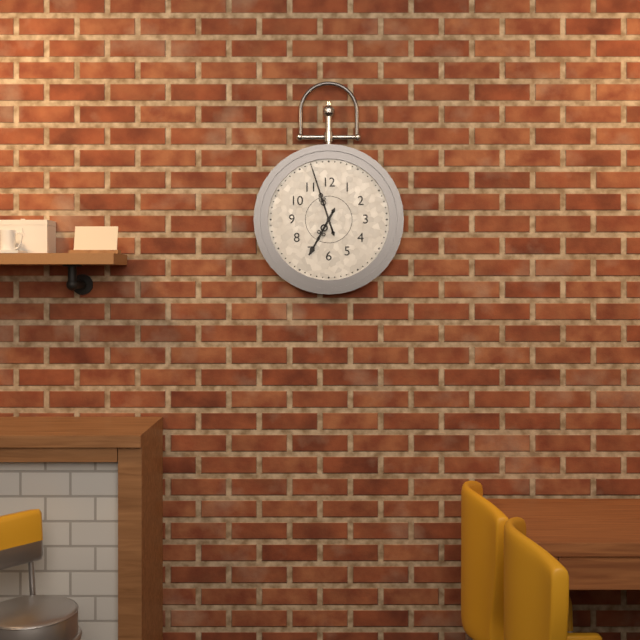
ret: **6:57**
